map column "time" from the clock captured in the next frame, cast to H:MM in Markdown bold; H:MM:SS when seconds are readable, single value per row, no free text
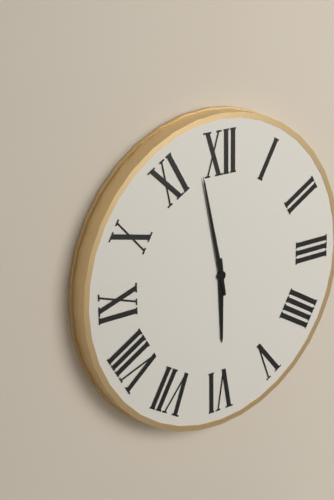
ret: **5:58**
